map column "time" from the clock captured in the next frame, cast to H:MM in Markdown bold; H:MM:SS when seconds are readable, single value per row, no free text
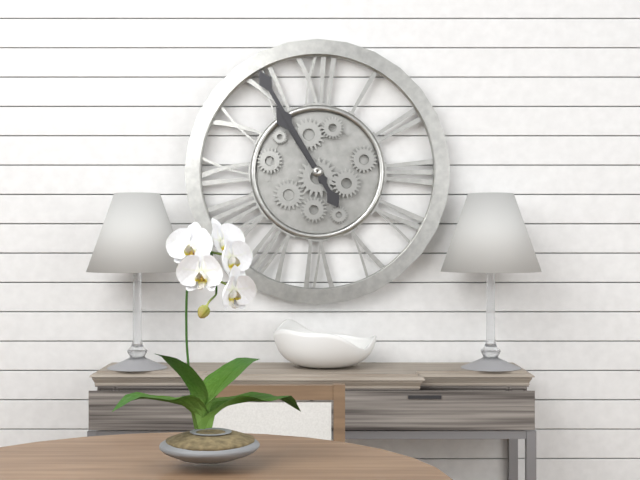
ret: **10:55**
